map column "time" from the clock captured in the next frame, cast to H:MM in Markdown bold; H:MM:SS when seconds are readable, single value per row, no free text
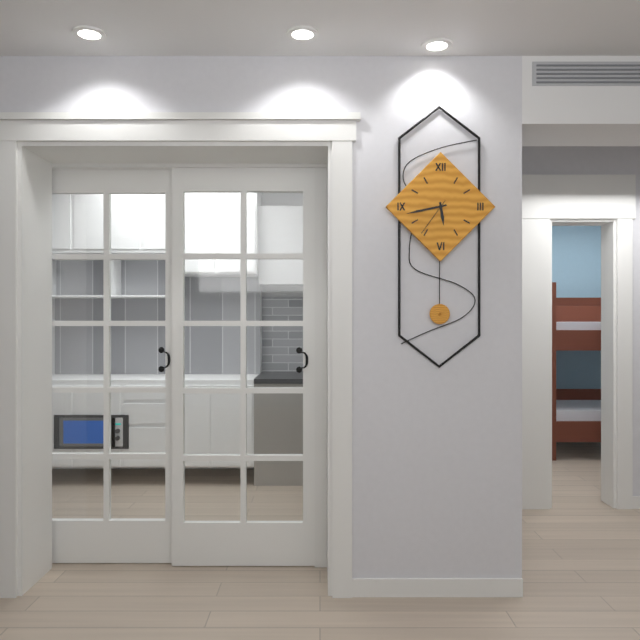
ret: **5:43**
